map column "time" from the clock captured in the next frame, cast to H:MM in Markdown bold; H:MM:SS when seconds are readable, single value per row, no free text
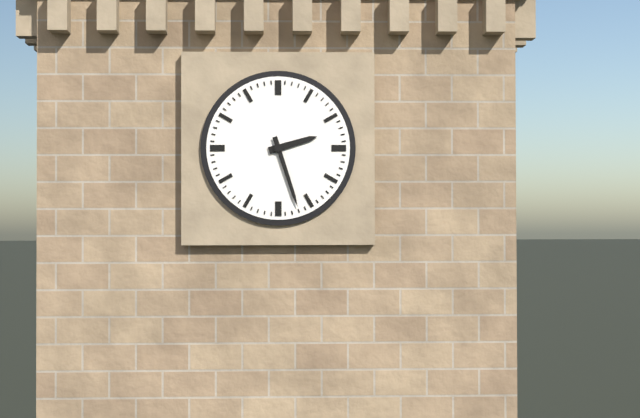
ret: **2:27**
